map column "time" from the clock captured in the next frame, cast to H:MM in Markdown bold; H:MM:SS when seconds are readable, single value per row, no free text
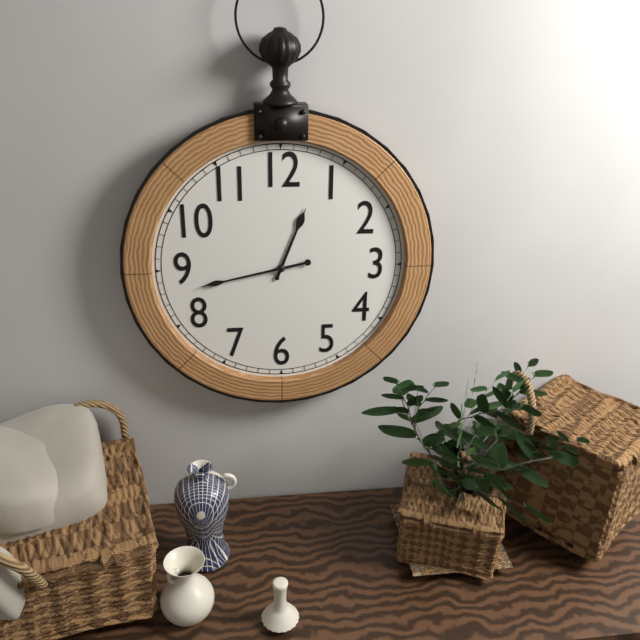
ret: **12:43**
